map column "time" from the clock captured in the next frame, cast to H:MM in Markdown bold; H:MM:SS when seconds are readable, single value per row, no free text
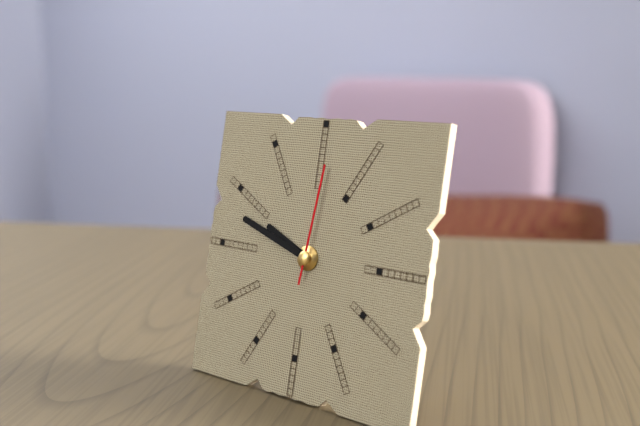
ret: **9:48:01**
